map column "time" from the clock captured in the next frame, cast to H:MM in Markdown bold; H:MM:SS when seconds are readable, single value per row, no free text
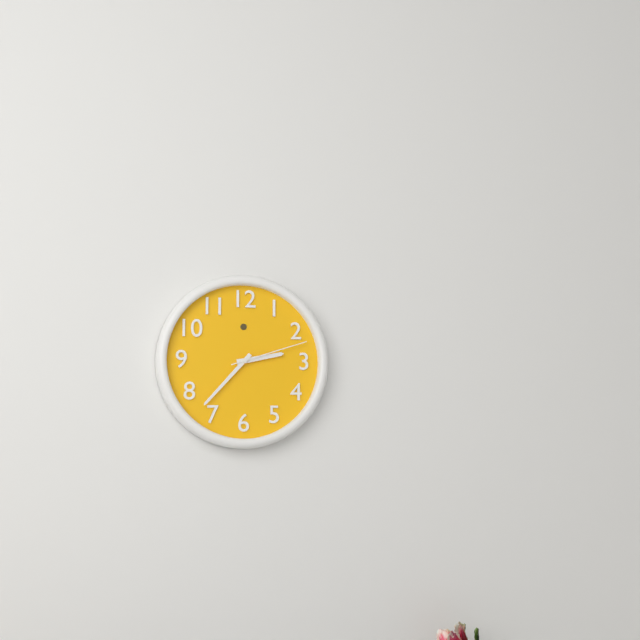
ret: **2:37:12**
